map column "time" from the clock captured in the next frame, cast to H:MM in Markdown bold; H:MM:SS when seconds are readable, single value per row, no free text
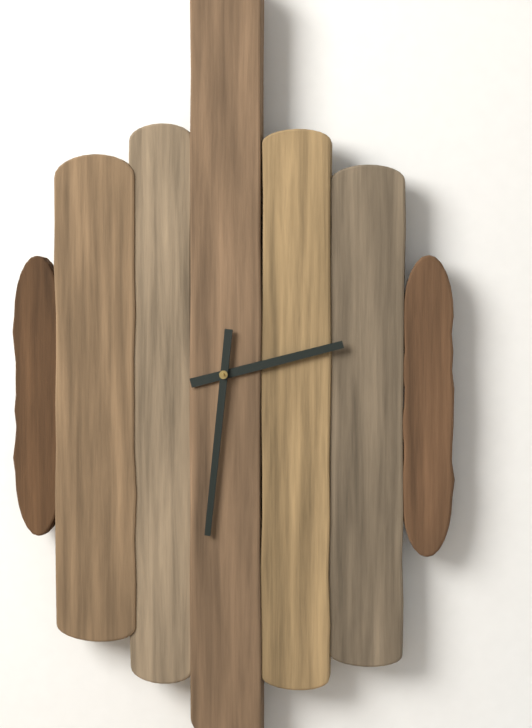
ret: **2:31**
